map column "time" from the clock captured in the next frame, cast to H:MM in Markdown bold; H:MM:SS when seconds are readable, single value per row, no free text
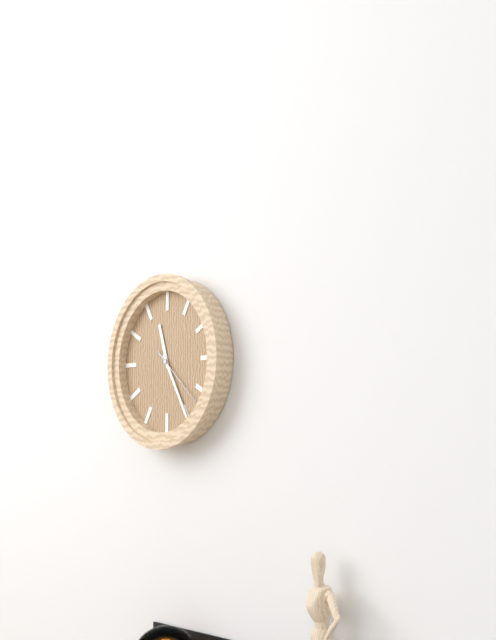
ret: **11:25:22**
